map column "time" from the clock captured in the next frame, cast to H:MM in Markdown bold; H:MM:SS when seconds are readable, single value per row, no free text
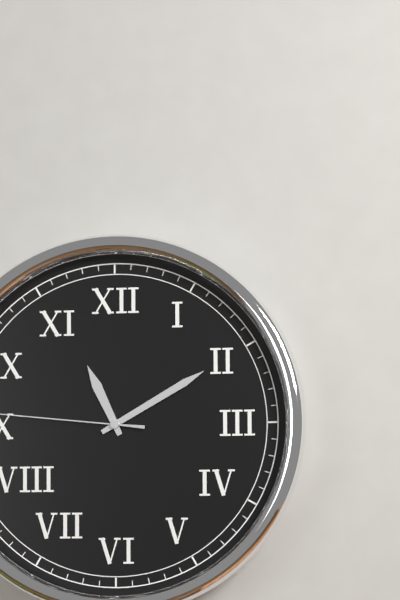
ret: **11:10**
